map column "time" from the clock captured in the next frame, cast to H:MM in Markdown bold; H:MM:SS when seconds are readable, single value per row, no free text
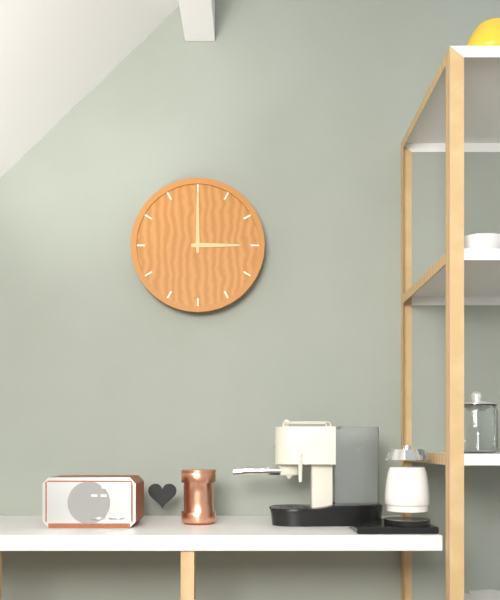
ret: **3:00**
